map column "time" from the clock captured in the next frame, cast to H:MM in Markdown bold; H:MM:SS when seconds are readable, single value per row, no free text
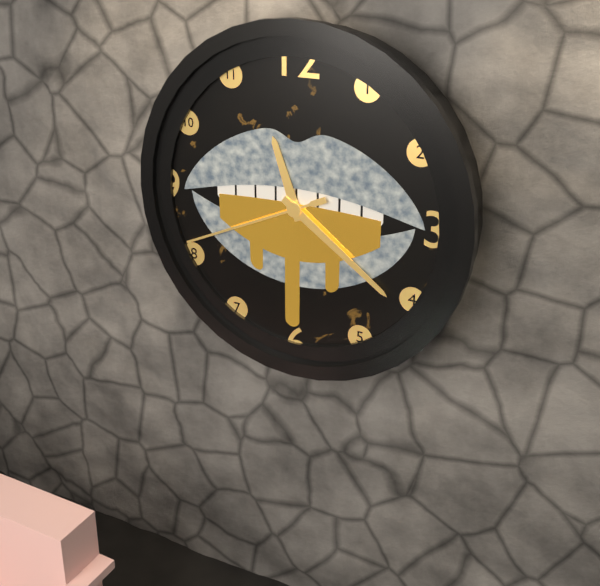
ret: **11:21:41**
